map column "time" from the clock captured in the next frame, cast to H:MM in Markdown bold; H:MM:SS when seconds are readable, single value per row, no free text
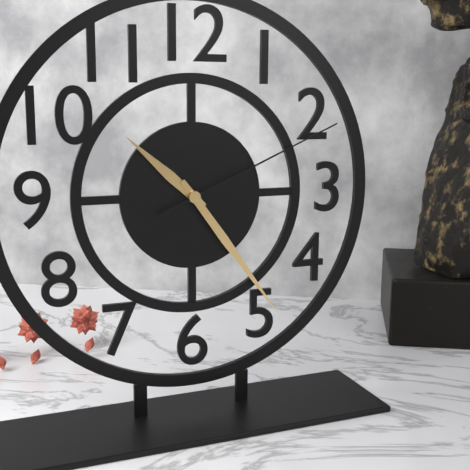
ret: **10:24:11**
